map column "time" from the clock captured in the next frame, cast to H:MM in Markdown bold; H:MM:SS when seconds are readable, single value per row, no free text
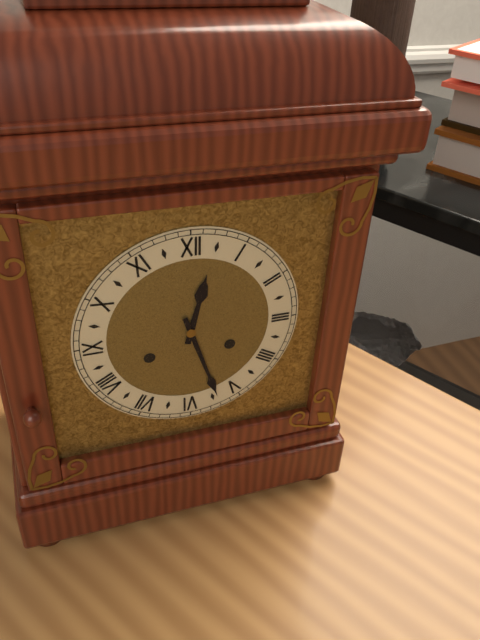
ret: **12:27**
